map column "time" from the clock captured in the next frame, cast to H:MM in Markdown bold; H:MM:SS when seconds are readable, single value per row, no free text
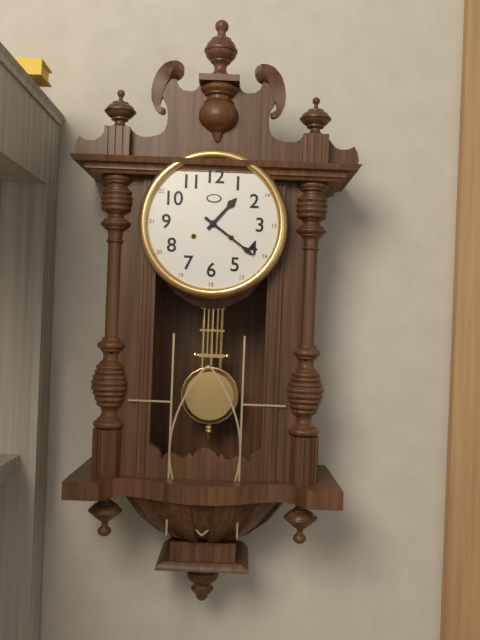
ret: **1:21**
